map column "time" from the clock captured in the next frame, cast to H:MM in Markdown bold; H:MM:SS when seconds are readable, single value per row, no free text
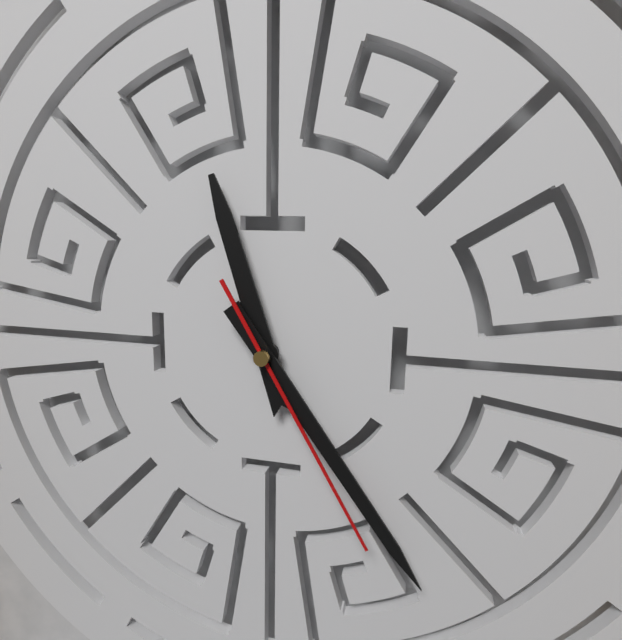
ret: **11:24:25**
